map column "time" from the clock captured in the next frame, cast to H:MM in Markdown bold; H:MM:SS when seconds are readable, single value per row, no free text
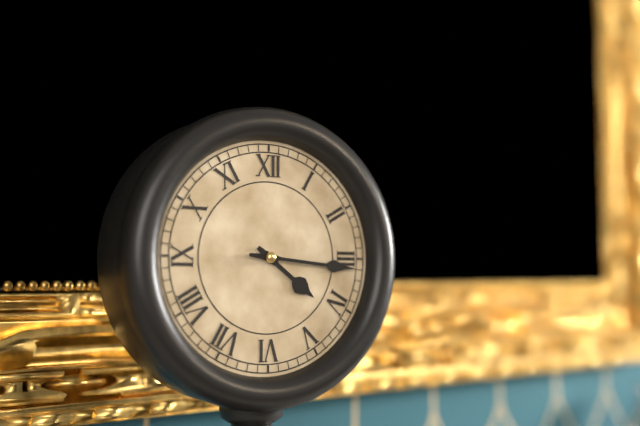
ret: **4:16**
